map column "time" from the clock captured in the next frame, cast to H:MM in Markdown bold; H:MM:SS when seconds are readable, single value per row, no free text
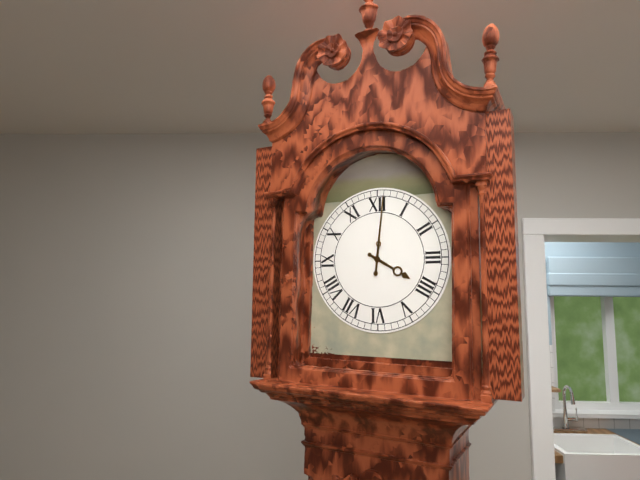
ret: **4:01**
